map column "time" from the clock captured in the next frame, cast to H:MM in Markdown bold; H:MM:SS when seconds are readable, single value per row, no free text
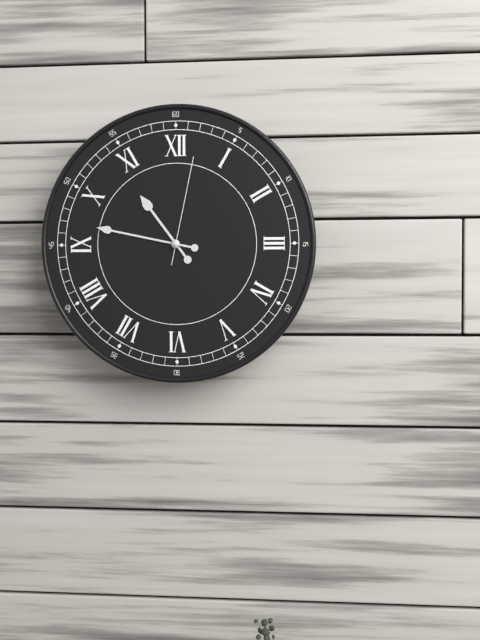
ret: **10:47:02**
